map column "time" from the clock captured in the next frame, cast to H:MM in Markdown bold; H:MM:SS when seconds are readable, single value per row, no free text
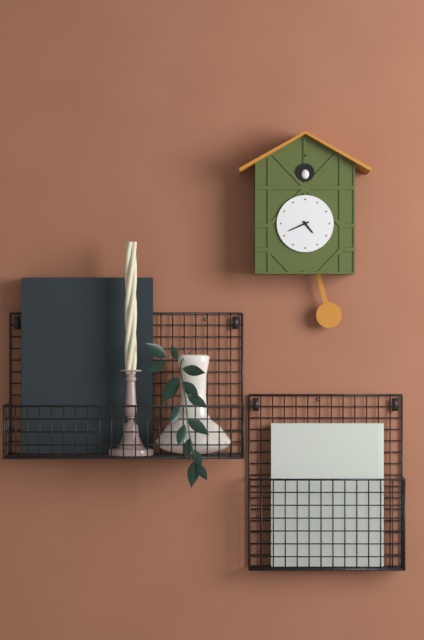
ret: **4:41**
